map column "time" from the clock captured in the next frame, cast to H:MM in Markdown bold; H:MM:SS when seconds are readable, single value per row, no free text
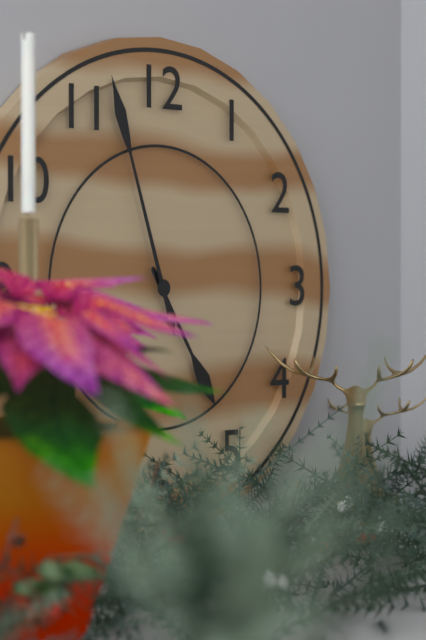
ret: **4:57**
